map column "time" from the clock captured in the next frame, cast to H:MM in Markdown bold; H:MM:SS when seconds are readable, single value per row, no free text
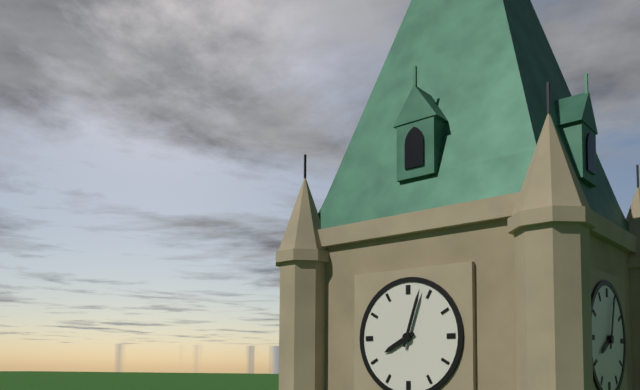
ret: **8:03**
